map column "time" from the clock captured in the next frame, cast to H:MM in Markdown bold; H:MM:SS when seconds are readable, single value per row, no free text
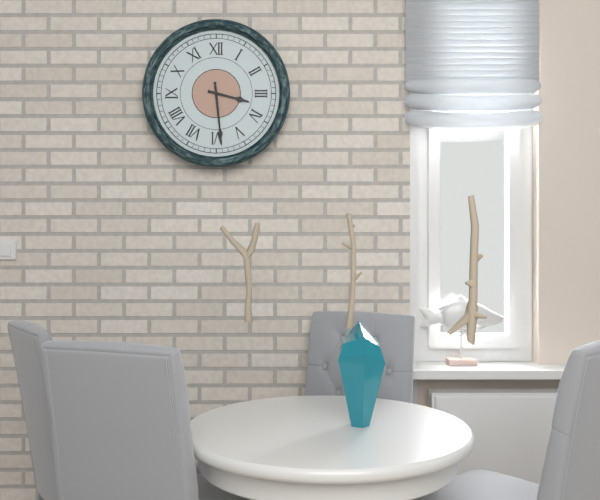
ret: **3:29**
